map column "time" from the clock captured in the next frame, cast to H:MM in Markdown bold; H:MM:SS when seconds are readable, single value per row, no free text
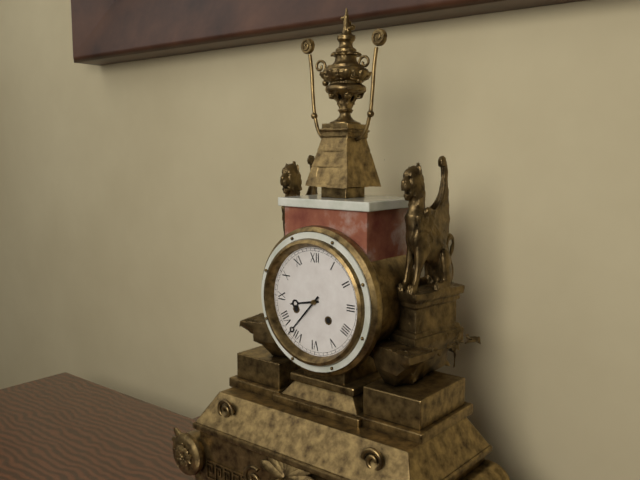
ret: **8:37**
